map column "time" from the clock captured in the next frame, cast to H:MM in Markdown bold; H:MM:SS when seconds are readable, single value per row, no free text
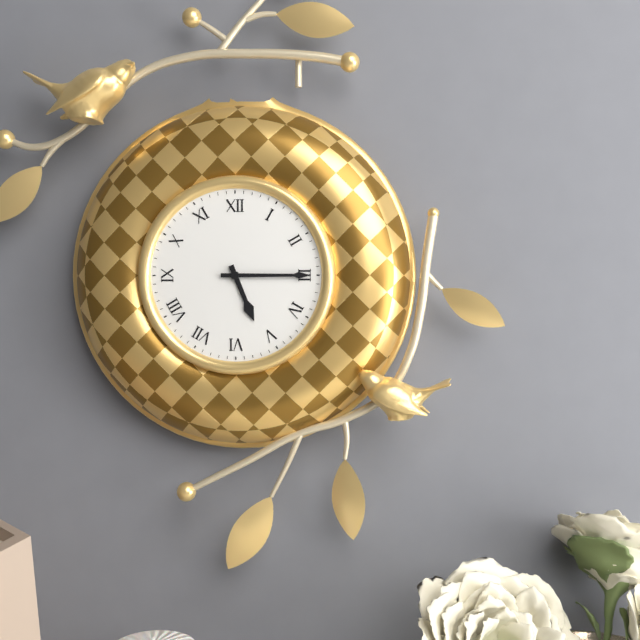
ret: **5:15**
